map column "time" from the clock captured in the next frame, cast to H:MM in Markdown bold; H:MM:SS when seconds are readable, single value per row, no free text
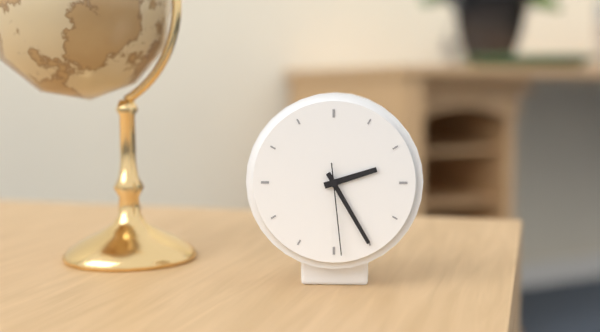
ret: **2:25:29**
